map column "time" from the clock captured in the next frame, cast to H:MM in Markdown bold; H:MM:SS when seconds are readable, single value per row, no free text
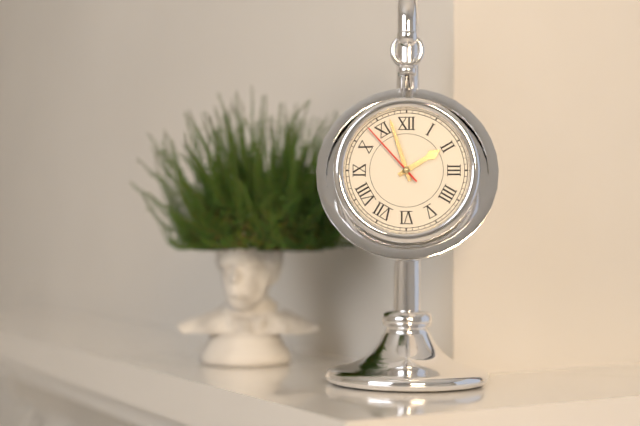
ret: **1:57:53**
